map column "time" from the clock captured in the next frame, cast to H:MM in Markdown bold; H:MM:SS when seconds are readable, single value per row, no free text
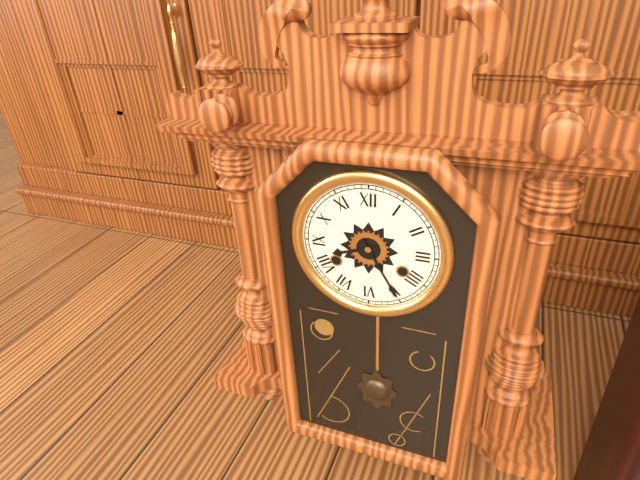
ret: **8:25**
